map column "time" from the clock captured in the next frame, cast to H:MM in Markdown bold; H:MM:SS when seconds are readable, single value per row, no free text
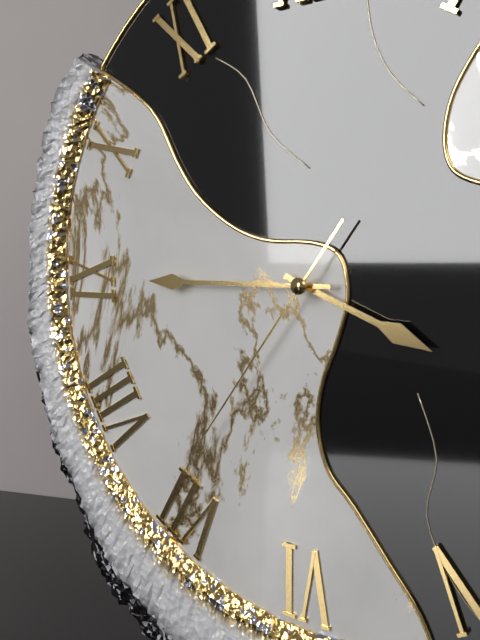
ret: **3:45:36**
